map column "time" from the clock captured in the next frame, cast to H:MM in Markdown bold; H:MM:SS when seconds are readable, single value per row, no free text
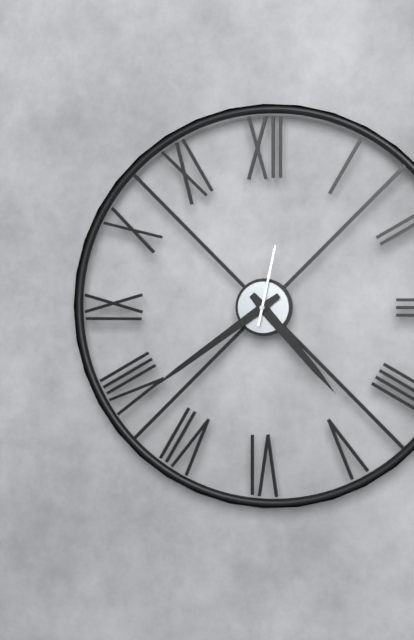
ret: **4:39:02**
